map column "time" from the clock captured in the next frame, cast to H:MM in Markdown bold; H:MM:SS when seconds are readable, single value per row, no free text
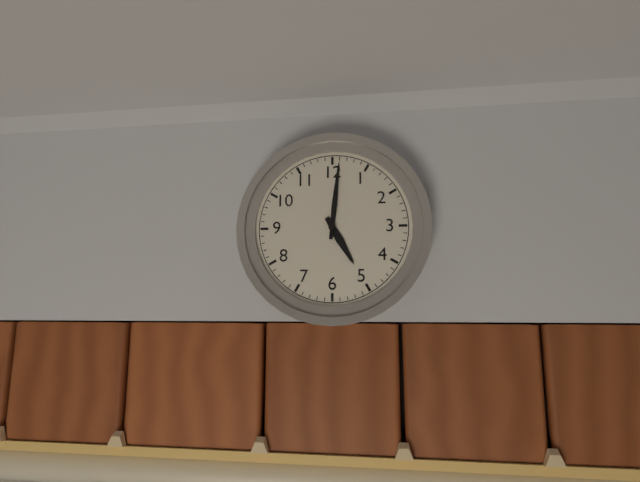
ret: **5:01**
